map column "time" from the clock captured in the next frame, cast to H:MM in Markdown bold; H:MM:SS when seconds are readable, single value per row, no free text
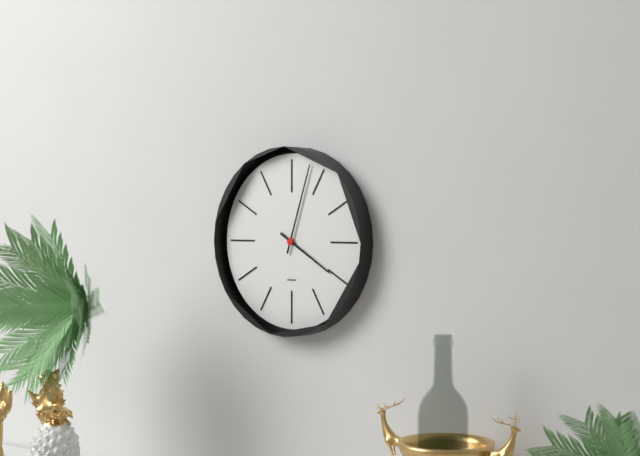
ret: **4:03**
